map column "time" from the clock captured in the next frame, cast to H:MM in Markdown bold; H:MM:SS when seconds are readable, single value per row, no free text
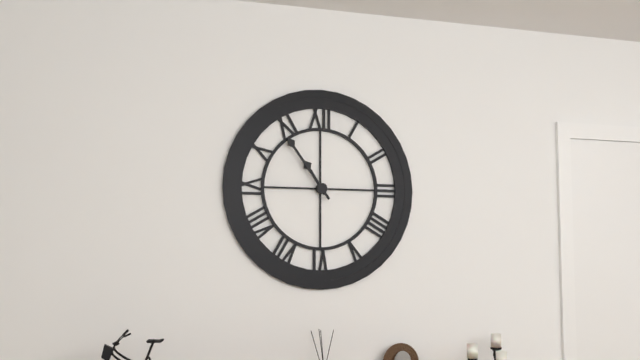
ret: **10:54**
